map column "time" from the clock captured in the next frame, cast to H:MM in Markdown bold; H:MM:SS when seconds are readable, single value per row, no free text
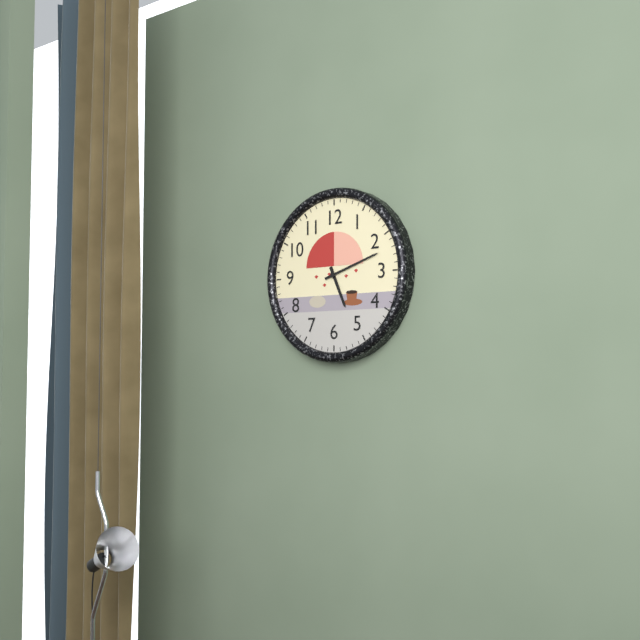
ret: **5:12**
